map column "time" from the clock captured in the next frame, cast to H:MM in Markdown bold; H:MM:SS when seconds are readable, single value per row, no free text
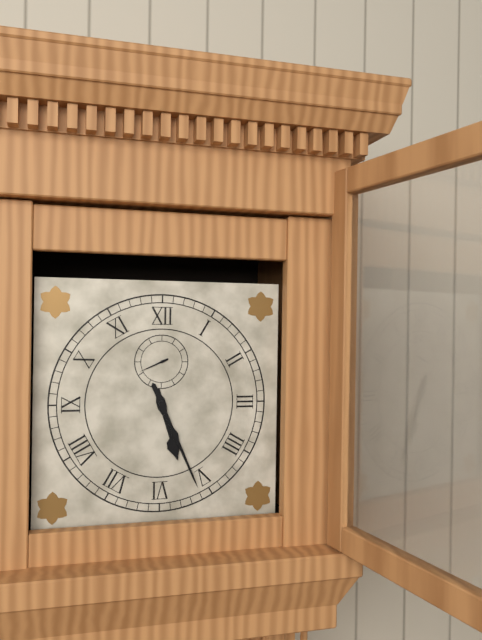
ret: **5:26**
